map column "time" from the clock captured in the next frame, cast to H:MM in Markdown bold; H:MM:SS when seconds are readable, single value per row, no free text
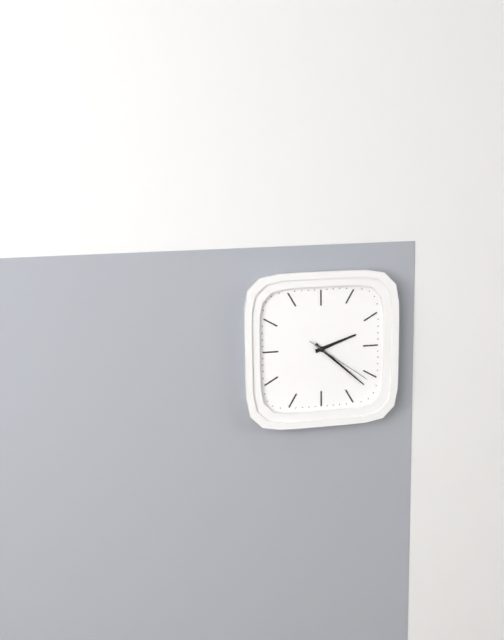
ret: **2:22:21**
